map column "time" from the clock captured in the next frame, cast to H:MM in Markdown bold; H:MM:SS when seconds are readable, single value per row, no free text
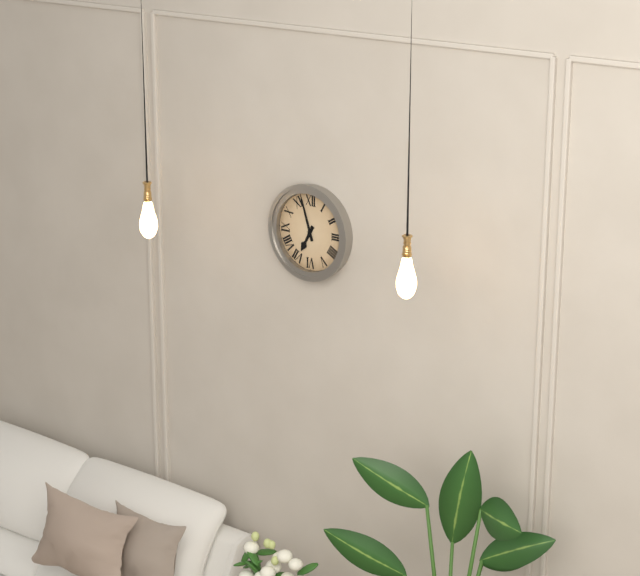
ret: **6:57**
